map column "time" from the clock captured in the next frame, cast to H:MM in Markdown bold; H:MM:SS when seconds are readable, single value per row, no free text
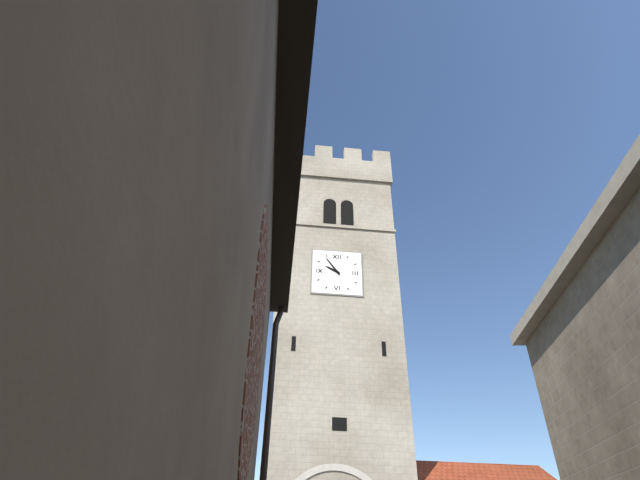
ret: **9:54**
